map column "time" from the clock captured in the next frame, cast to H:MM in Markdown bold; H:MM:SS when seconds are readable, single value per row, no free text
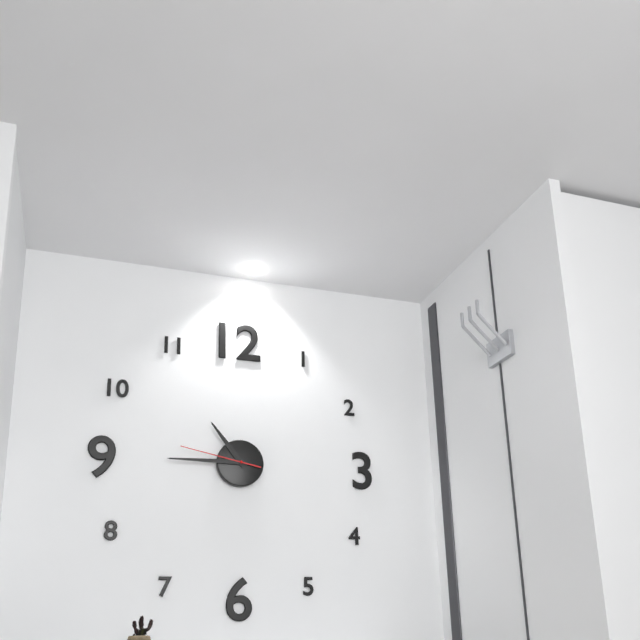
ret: **10:45:47**
